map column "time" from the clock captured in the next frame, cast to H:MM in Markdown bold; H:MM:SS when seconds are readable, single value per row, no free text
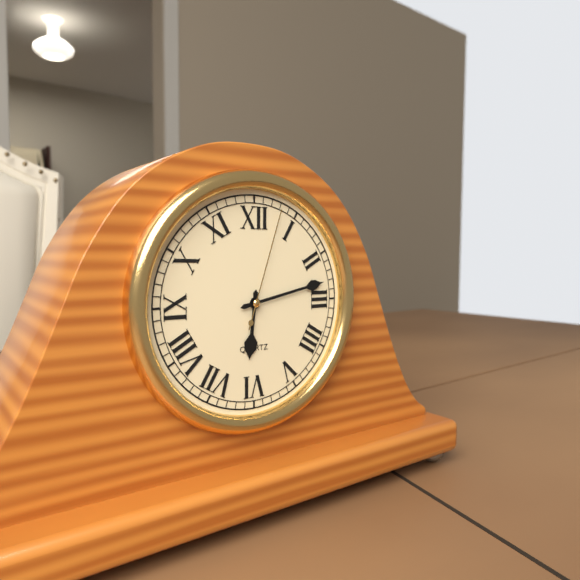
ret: **6:13:03**
